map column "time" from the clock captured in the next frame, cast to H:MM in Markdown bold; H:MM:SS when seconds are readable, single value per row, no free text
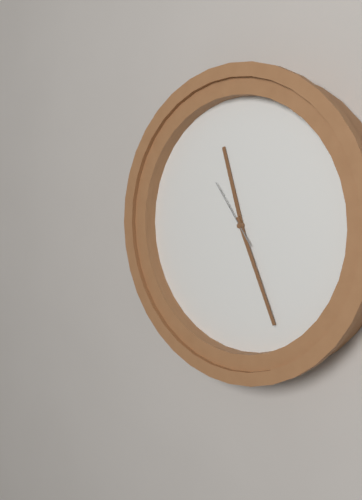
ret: **11:26:54**
